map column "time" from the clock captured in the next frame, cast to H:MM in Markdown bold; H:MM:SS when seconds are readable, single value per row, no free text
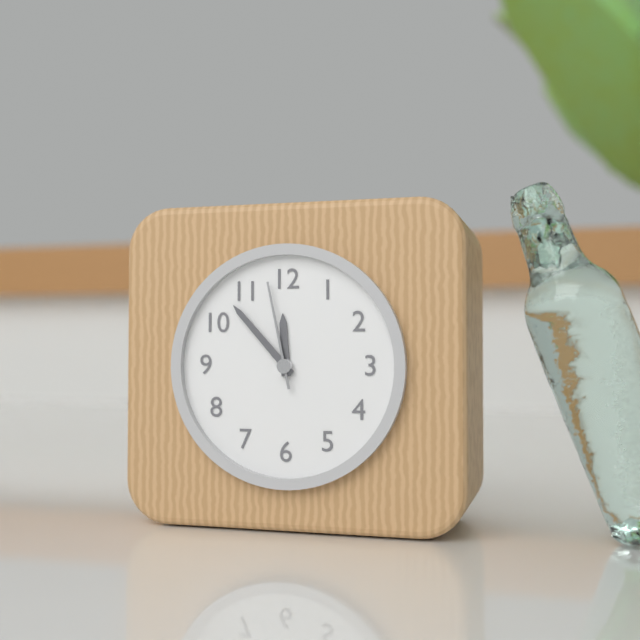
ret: **11:53:58**
